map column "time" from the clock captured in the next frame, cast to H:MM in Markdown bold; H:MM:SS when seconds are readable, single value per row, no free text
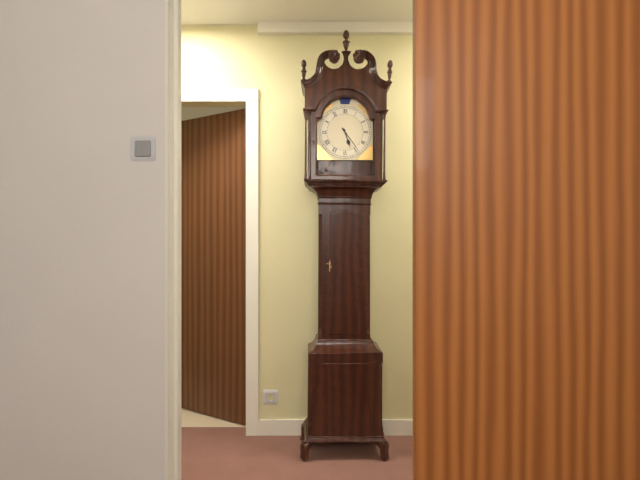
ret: **5:24**
